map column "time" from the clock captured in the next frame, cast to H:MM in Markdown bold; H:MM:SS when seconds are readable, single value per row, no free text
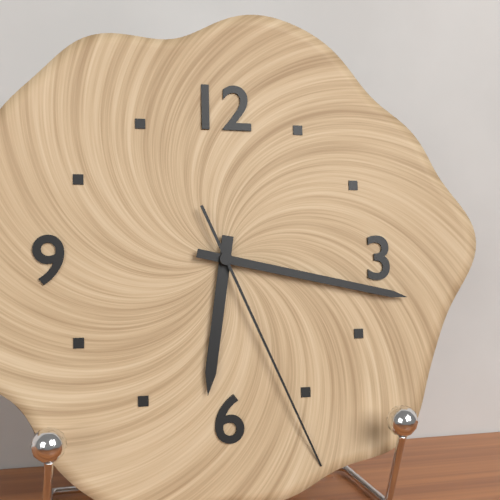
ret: **6:17:26**
